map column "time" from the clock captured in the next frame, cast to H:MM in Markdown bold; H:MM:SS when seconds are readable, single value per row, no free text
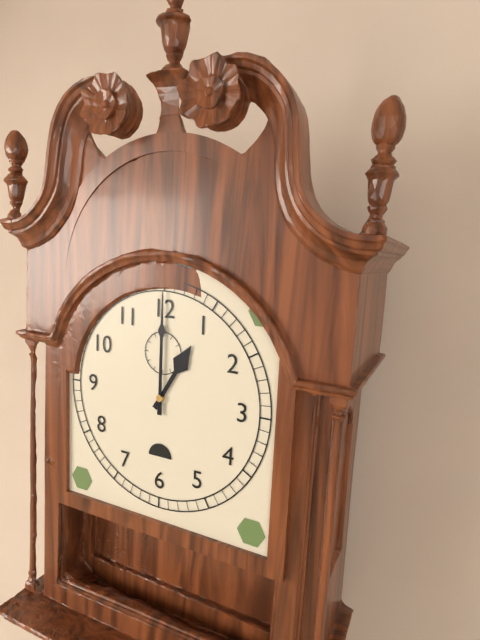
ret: **1:00**
